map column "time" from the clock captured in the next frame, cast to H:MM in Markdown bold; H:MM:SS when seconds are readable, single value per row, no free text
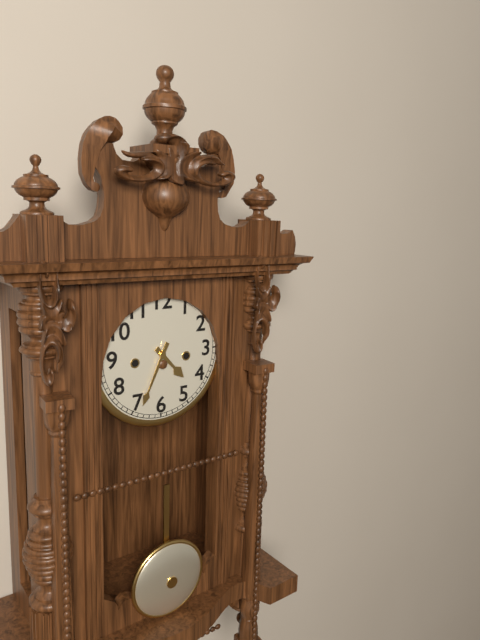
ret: **4:34**
